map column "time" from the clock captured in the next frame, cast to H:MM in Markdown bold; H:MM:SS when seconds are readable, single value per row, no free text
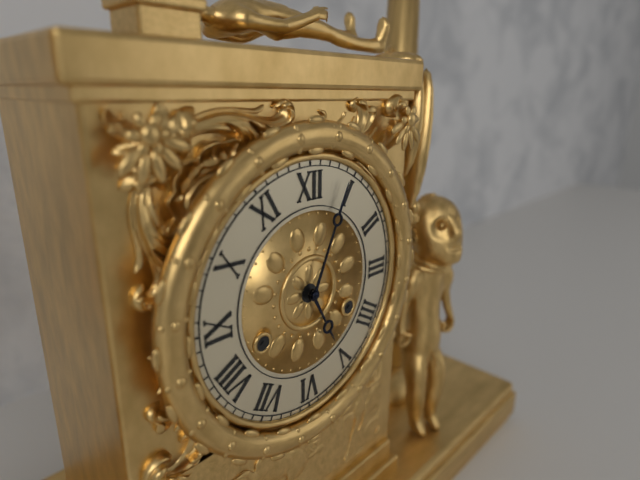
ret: **5:04**
